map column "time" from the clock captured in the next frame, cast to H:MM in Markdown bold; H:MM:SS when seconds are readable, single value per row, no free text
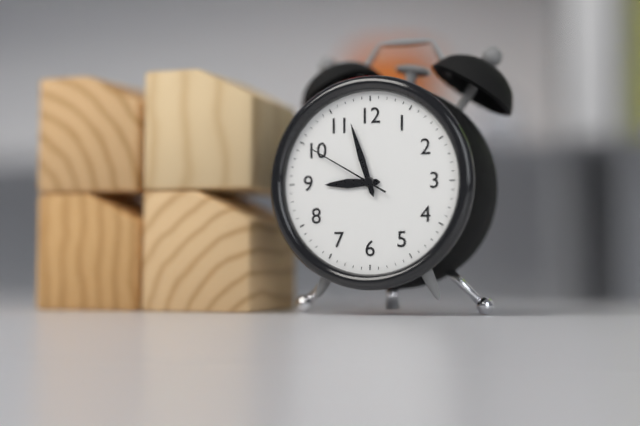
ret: **8:57:50**
